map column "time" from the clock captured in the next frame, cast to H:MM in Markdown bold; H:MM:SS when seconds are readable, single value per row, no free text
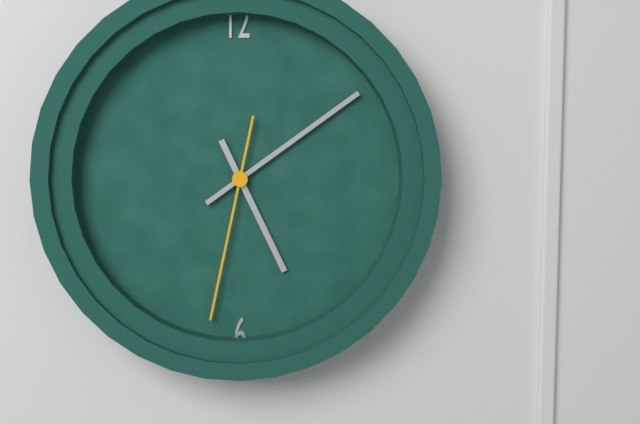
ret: **5:09:32**
